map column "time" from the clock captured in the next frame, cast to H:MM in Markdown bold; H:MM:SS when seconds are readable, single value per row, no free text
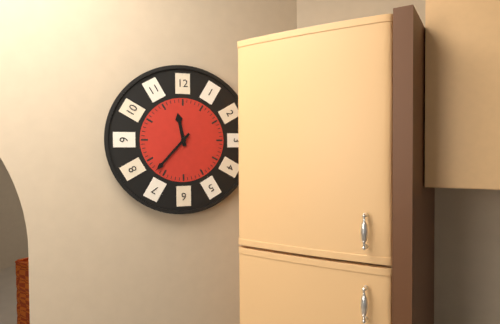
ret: **11:37**
